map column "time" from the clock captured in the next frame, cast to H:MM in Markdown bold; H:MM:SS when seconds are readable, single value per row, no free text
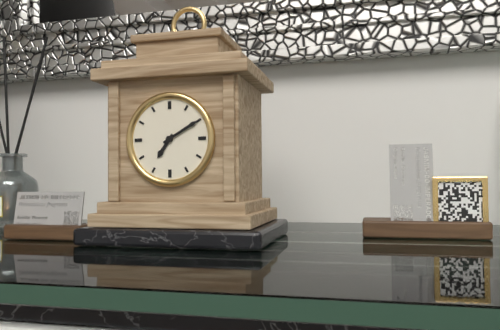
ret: **7:10**
